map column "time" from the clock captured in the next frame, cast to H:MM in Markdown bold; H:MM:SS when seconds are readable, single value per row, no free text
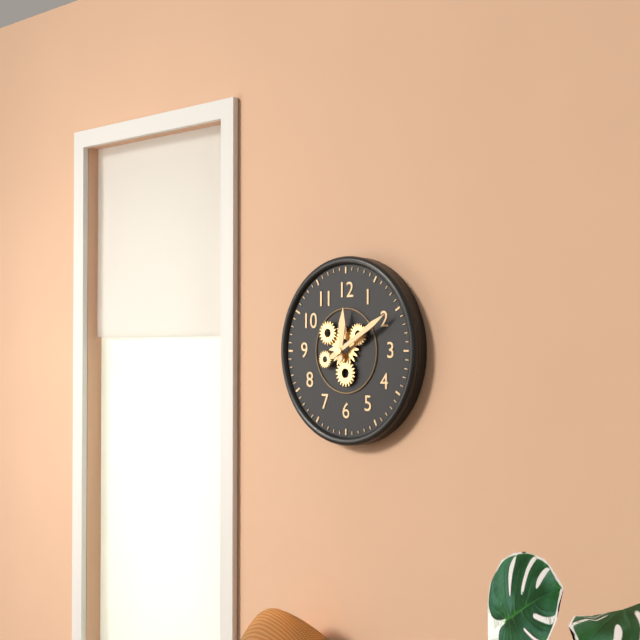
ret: **12:10**
